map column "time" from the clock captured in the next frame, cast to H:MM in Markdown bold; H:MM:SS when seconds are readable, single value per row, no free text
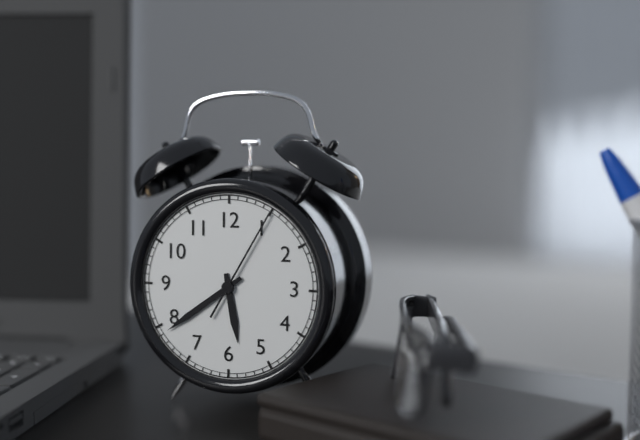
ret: **5:39:05**
